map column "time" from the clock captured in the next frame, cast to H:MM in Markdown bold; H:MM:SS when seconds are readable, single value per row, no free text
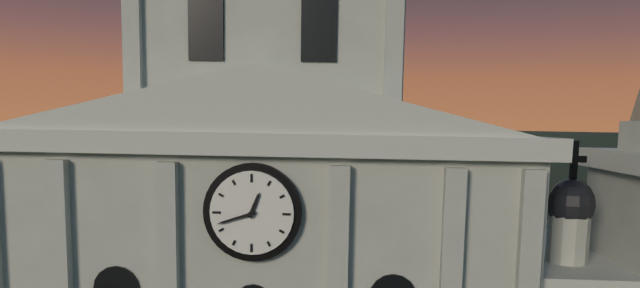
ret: **12:42**
